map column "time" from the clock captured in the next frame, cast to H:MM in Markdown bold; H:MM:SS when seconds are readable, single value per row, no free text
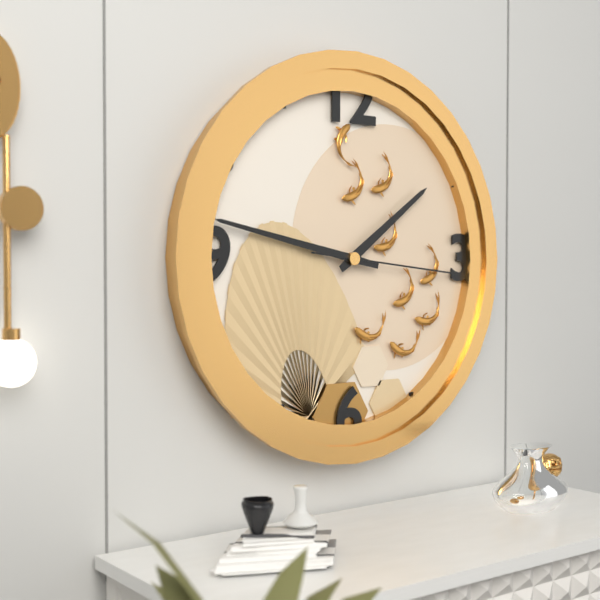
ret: **1:47:16**
